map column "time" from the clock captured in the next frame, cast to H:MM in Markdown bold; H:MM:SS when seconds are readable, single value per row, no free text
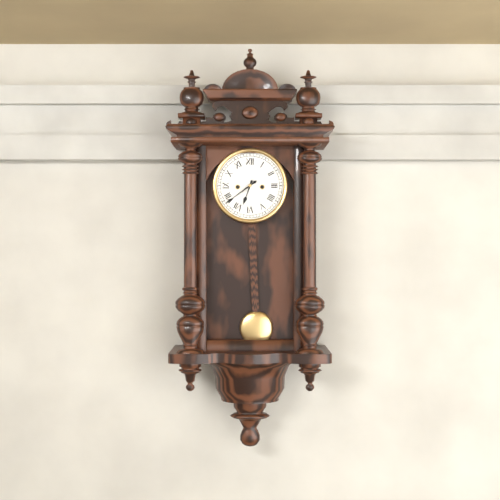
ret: **6:39**
